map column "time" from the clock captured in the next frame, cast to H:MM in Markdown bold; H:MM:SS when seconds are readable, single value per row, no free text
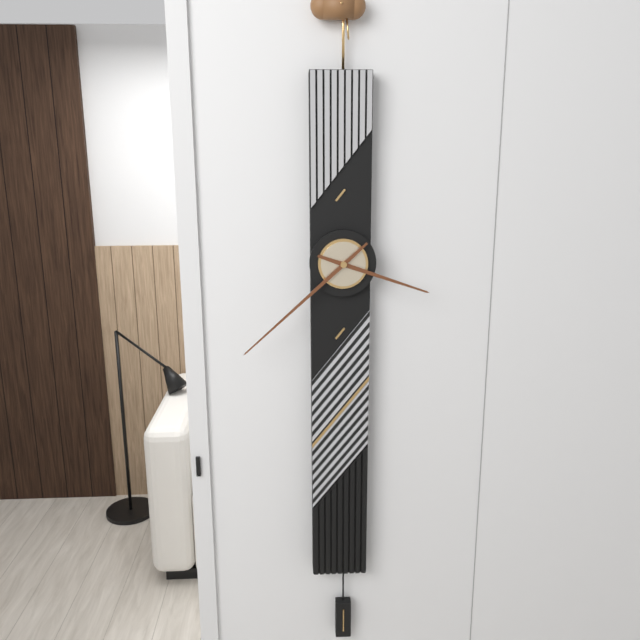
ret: **3:38**
